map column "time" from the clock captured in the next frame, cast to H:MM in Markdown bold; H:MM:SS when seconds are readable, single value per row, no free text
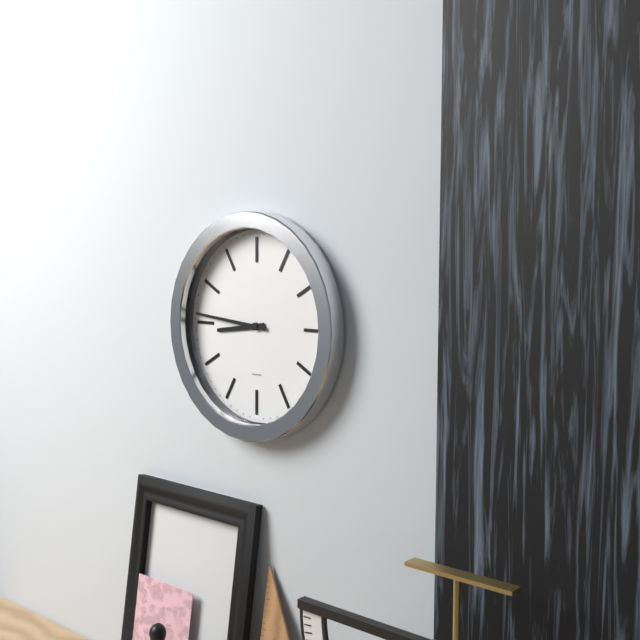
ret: **8:46**
